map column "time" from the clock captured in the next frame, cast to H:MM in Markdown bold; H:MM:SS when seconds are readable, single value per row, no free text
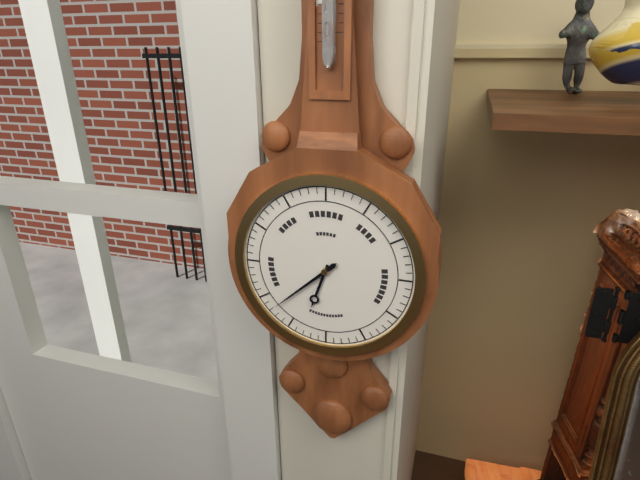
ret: **6:38**
